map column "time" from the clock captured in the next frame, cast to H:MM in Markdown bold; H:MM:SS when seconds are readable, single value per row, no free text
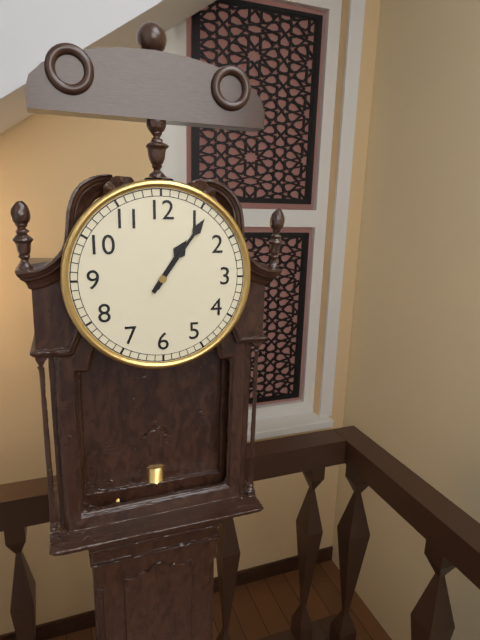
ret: **1:06**
